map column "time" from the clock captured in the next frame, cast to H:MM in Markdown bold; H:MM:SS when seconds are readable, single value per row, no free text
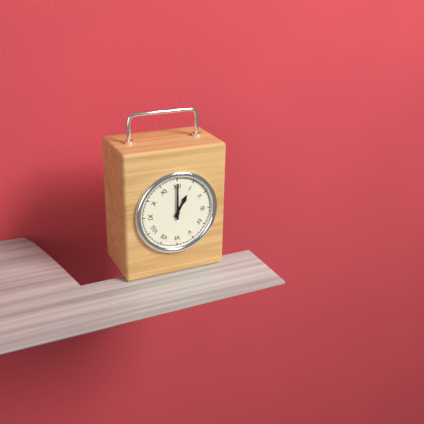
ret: **1:00**
